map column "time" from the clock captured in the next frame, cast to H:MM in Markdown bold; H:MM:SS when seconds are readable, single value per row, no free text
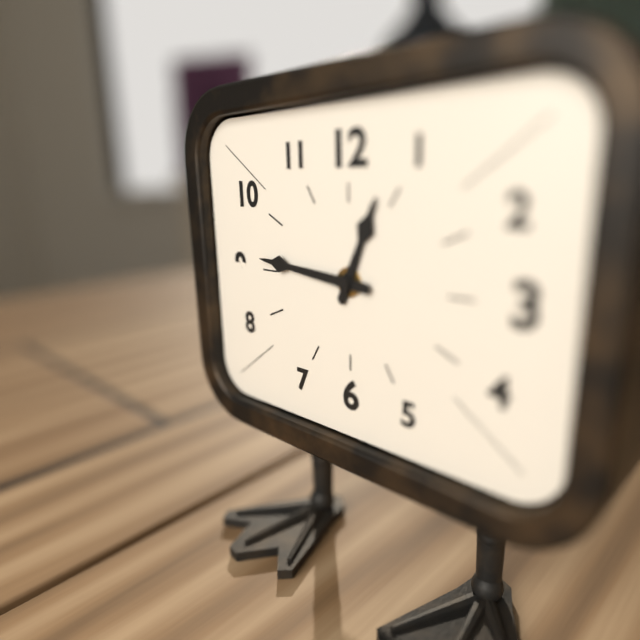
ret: **12:46**
